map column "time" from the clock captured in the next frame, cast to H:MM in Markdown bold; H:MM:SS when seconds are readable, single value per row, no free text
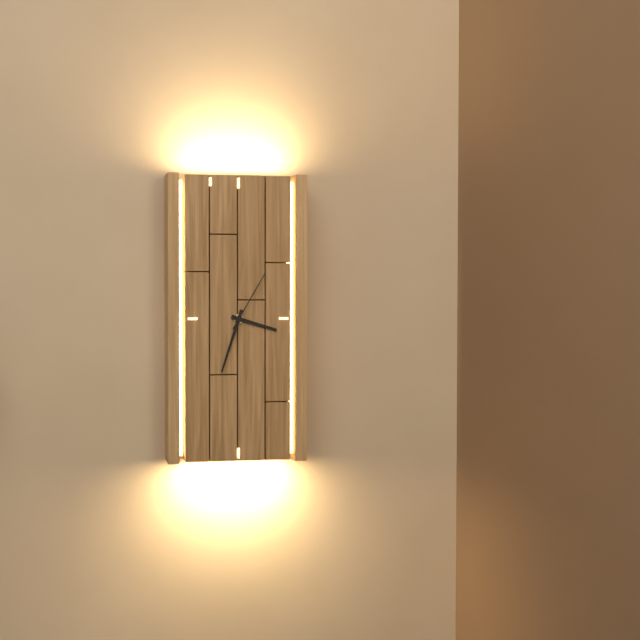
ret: **3:33:05**
